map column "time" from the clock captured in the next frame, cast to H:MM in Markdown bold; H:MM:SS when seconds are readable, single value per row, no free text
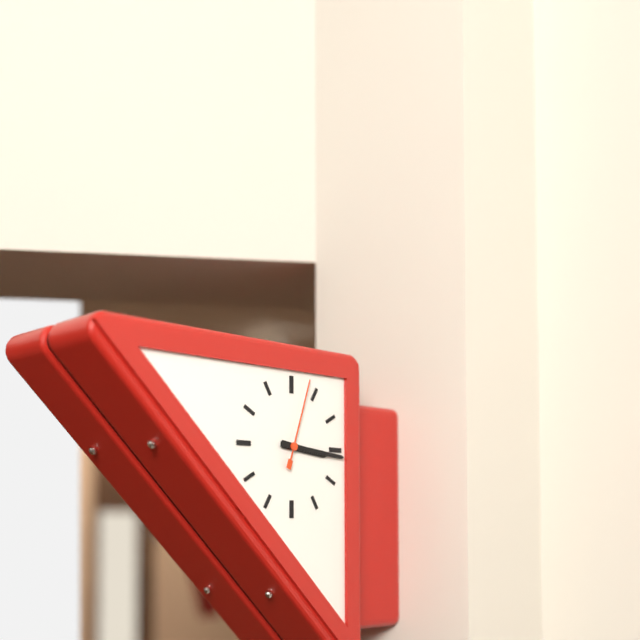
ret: **3:16:03**
